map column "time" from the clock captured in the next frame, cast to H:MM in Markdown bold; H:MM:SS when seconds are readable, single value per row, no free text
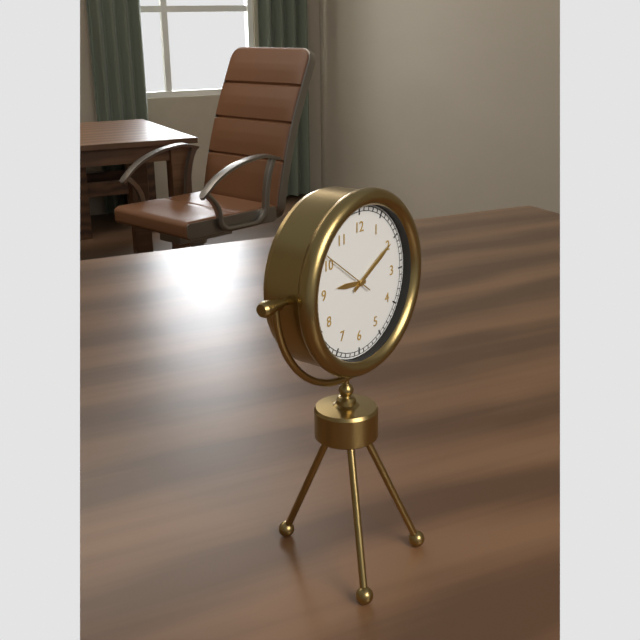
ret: **9:10:51**
